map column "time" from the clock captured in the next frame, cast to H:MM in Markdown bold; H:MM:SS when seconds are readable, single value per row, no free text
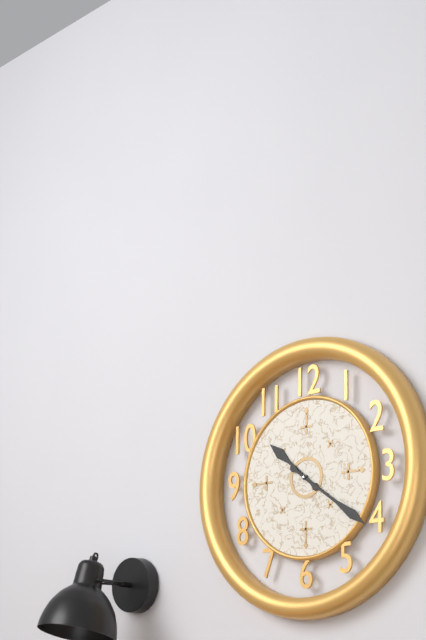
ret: **10:21**
